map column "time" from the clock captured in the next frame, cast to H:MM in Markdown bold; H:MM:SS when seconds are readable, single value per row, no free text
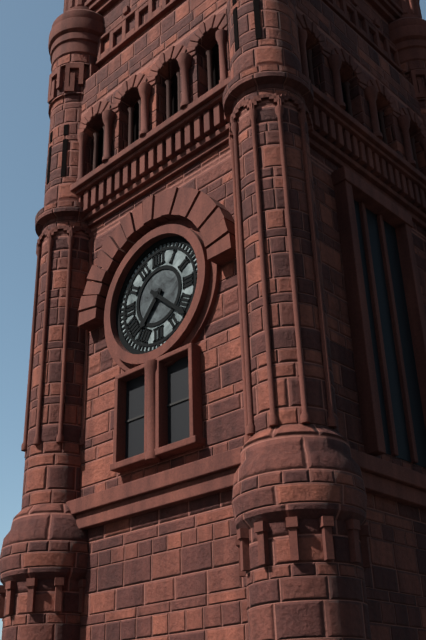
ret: **7:22**
